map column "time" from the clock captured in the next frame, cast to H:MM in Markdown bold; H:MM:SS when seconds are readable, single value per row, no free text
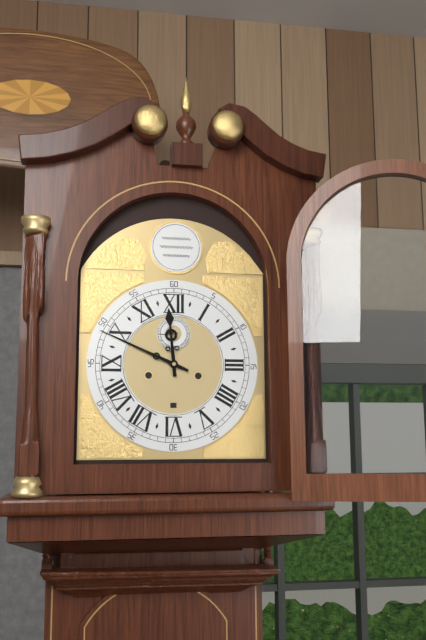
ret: **11:49**
